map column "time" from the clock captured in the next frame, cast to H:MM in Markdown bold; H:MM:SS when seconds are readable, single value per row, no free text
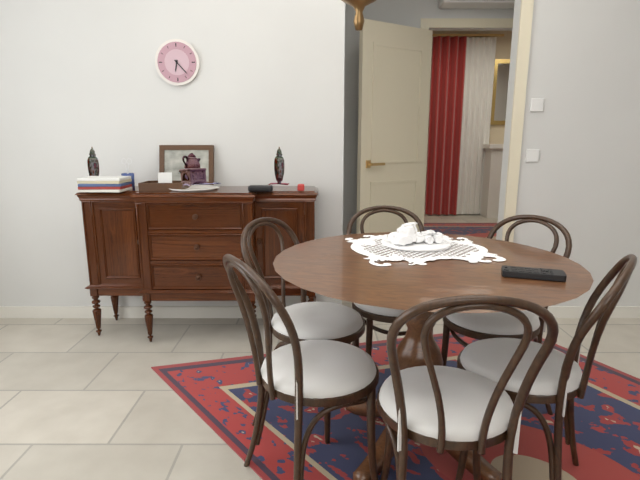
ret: **6:23**
